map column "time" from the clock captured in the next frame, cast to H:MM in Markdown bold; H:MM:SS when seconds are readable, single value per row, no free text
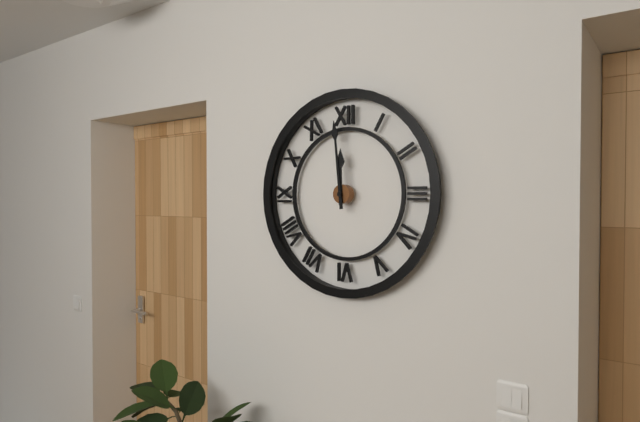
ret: **11:59**
